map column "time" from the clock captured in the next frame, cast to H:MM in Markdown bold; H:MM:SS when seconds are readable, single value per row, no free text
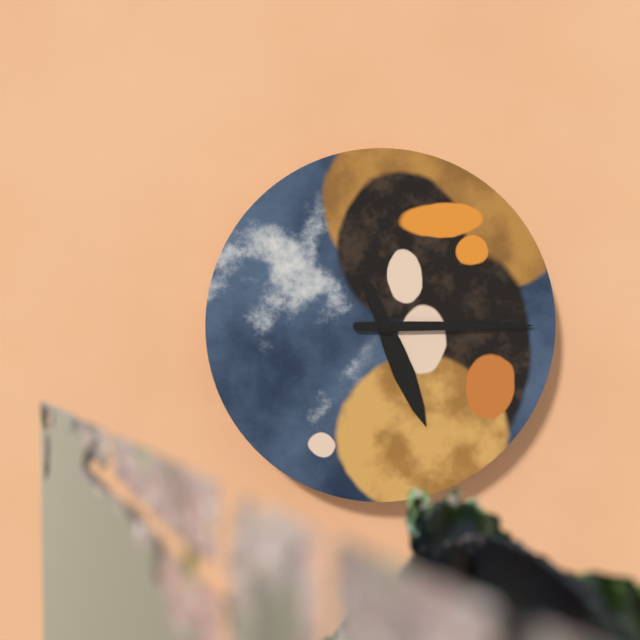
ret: **5:15**
